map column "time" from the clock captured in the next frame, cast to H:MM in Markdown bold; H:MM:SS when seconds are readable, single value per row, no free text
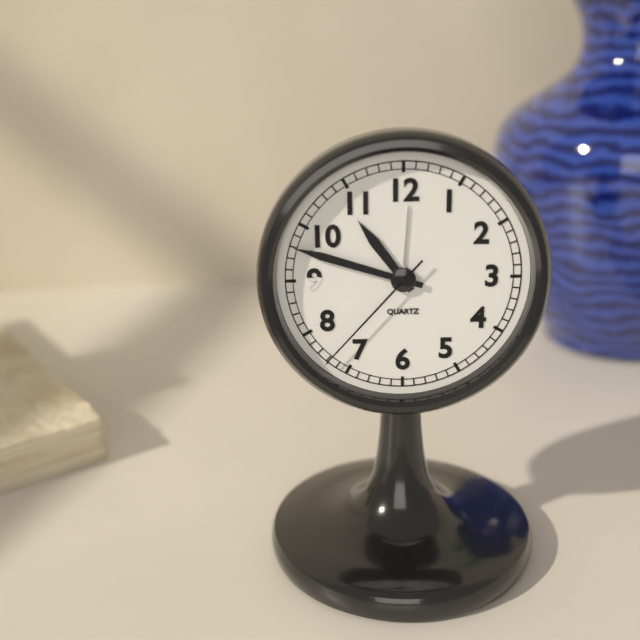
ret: **10:48:37**
